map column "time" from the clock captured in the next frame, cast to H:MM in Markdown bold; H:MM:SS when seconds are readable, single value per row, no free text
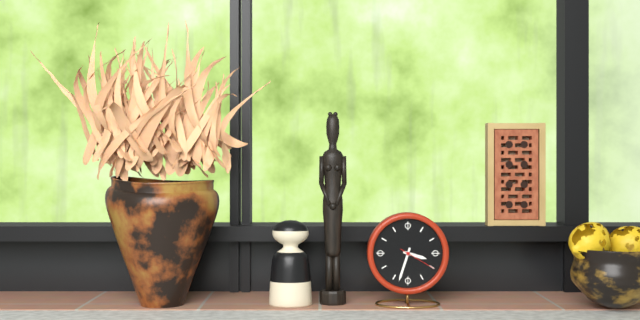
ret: **3:33**
